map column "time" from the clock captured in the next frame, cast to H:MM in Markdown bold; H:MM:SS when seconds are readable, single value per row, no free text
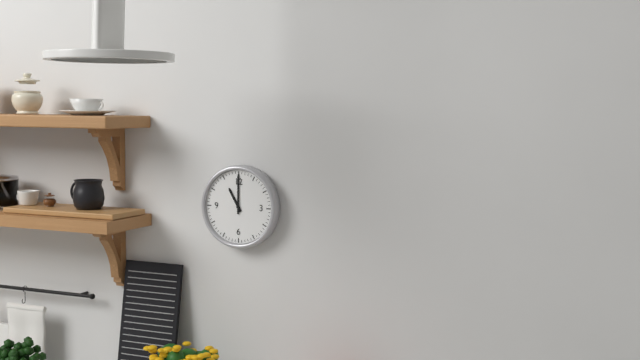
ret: **11:00**
